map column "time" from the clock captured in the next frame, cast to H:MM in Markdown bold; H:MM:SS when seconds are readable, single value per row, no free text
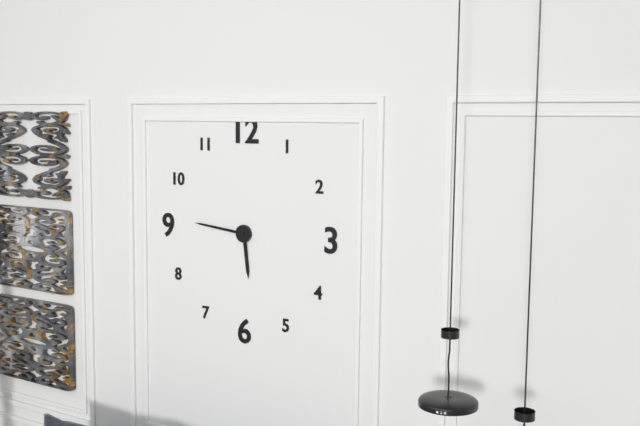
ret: **5:46**
